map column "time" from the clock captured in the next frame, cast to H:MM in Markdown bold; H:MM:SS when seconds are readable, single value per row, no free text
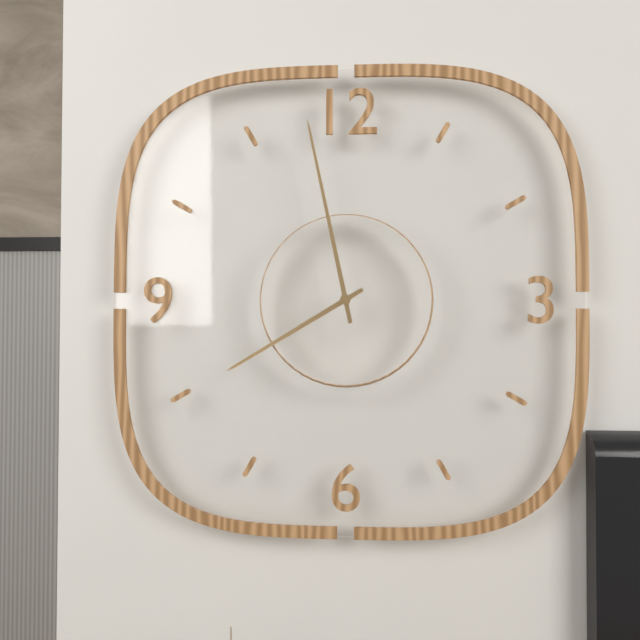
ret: **7:58**
